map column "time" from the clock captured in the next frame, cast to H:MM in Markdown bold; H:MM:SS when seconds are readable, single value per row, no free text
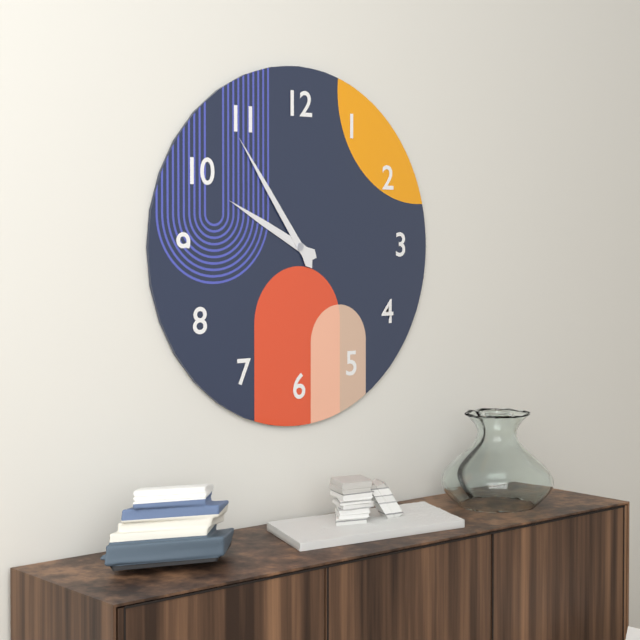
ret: **9:54**
